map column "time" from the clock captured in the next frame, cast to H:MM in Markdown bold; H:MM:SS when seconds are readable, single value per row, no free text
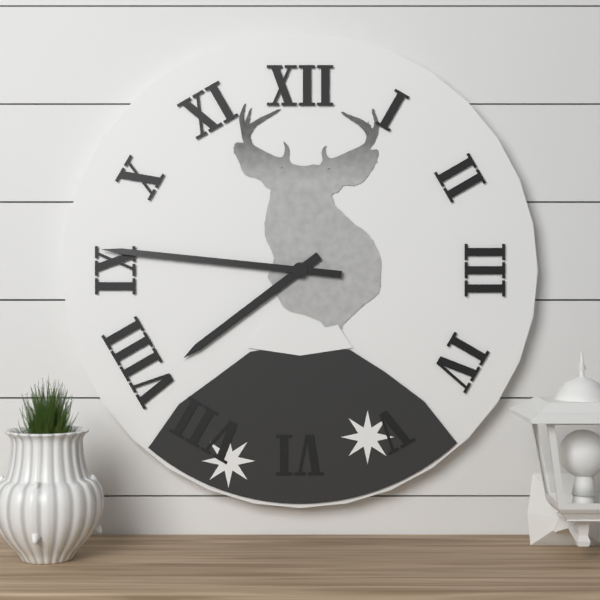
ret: **7:46**
